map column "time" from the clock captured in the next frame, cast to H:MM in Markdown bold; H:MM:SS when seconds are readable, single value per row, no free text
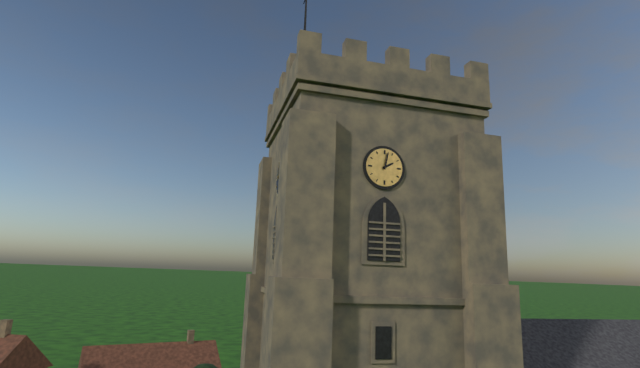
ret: **2:02**
